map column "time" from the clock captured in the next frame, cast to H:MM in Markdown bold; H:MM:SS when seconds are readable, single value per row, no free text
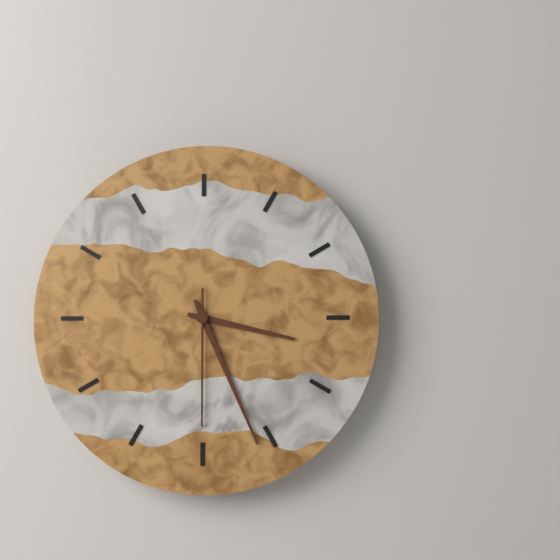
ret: **3:26:30**
